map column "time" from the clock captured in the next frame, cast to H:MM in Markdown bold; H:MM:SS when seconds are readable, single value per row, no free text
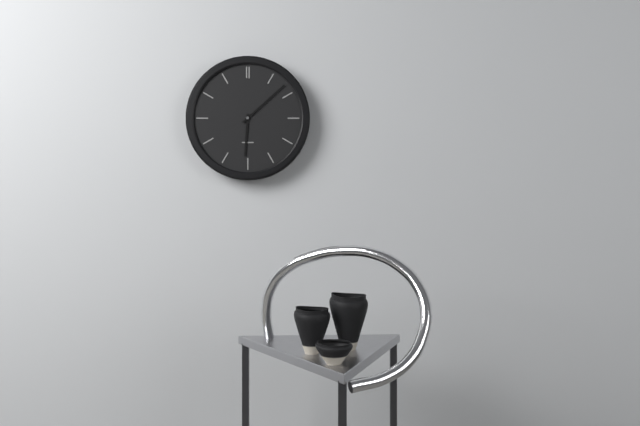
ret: **6:08**
